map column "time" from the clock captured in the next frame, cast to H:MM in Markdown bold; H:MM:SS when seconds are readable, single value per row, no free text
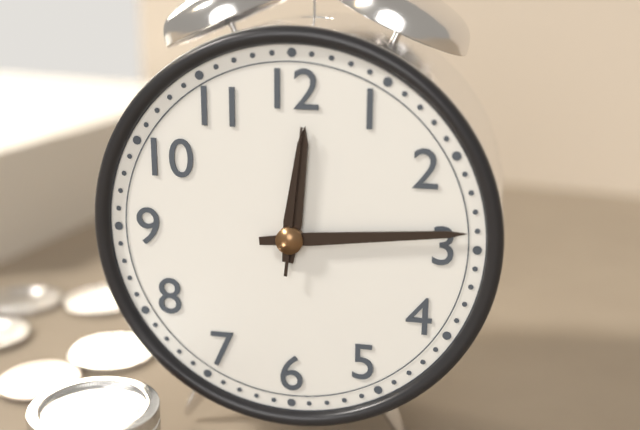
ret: **12:14:01**
